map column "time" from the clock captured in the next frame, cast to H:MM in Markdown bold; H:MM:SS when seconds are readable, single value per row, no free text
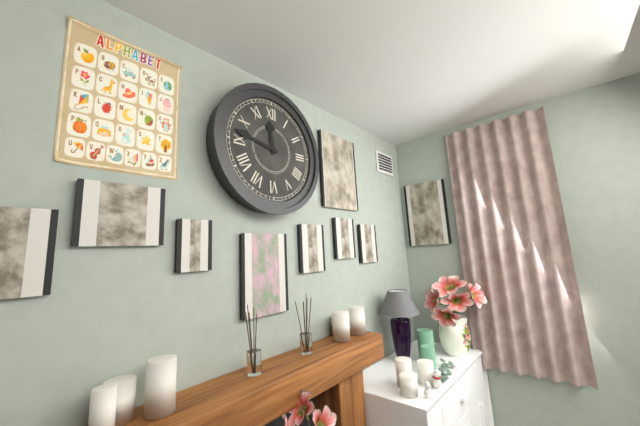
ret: **11:47**
